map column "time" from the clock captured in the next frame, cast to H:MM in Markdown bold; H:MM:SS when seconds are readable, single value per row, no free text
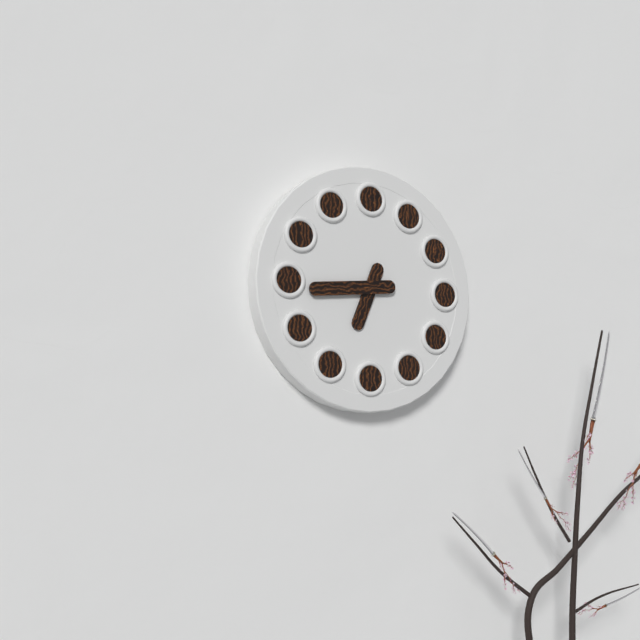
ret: **6:44**
